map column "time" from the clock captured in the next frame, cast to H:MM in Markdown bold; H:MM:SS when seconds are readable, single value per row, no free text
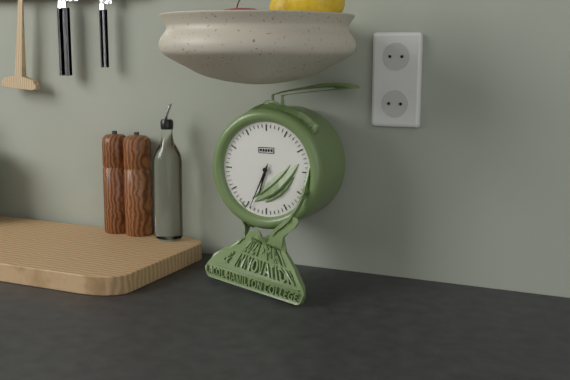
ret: **6:34**
